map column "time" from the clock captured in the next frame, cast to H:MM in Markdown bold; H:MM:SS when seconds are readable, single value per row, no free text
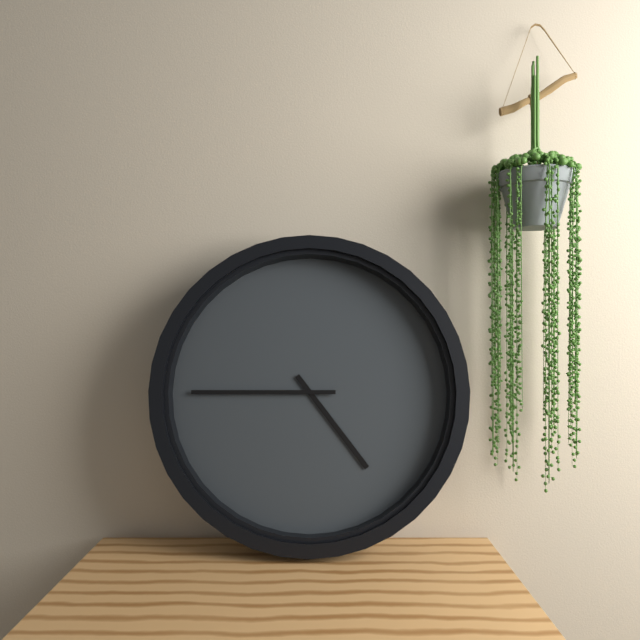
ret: **4:45**
